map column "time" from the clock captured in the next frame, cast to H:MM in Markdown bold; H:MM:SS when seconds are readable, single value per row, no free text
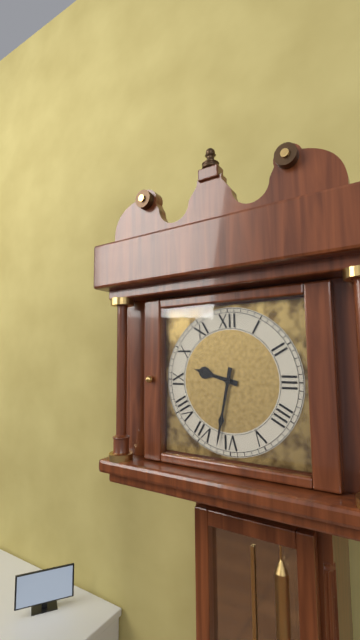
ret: **9:32**
